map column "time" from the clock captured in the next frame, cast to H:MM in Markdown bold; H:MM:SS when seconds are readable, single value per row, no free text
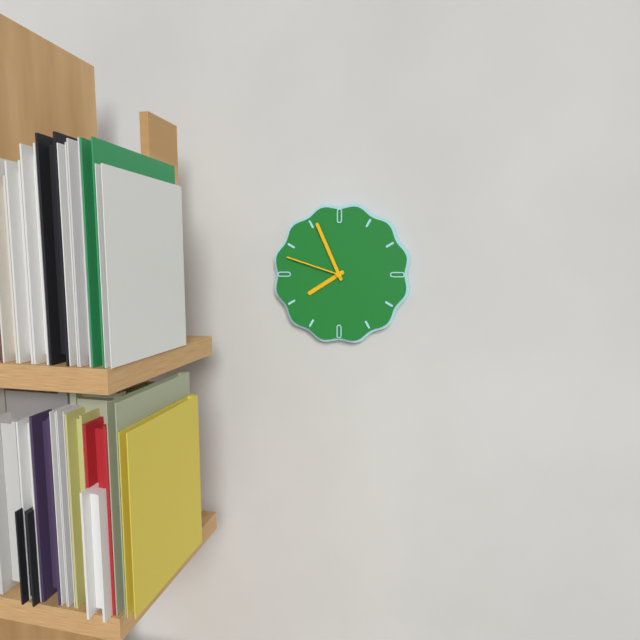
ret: **7:56:48**
